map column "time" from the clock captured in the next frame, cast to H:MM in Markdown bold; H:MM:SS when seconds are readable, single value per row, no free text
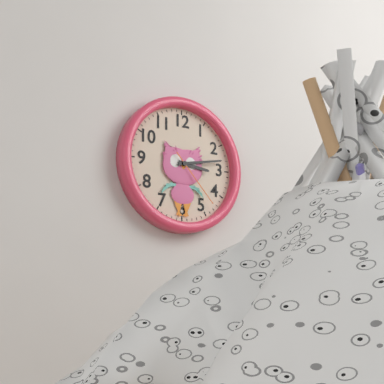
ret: **3:13:23**
